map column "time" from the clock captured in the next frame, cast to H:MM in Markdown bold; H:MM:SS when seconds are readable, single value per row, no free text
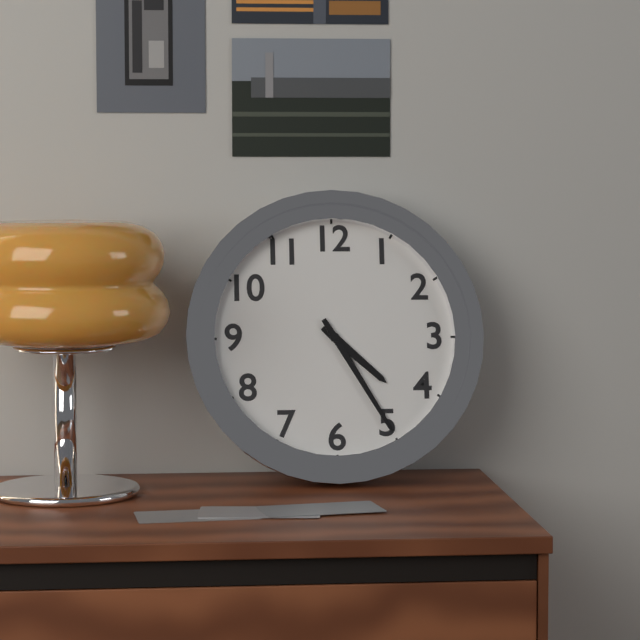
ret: **4:25**
